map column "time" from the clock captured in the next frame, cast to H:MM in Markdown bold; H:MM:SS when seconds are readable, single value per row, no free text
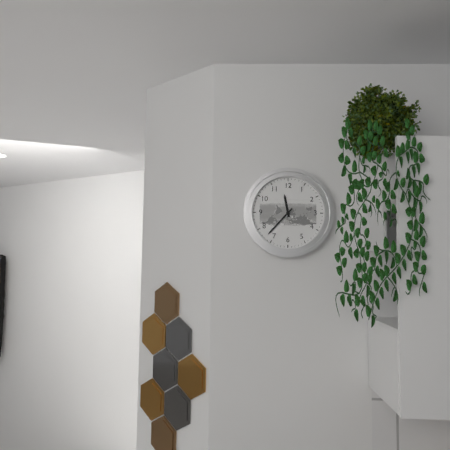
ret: **11:37**
